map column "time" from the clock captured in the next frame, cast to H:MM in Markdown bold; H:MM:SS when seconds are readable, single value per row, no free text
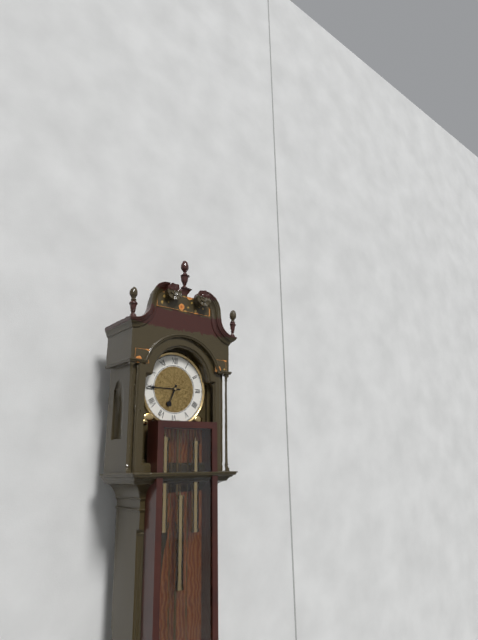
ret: **6:45**
